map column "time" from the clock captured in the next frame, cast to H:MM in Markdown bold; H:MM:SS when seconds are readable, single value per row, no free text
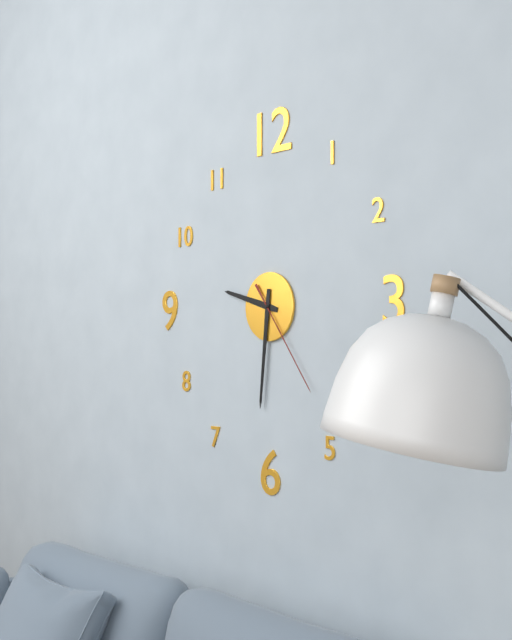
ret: **9:31:24**
